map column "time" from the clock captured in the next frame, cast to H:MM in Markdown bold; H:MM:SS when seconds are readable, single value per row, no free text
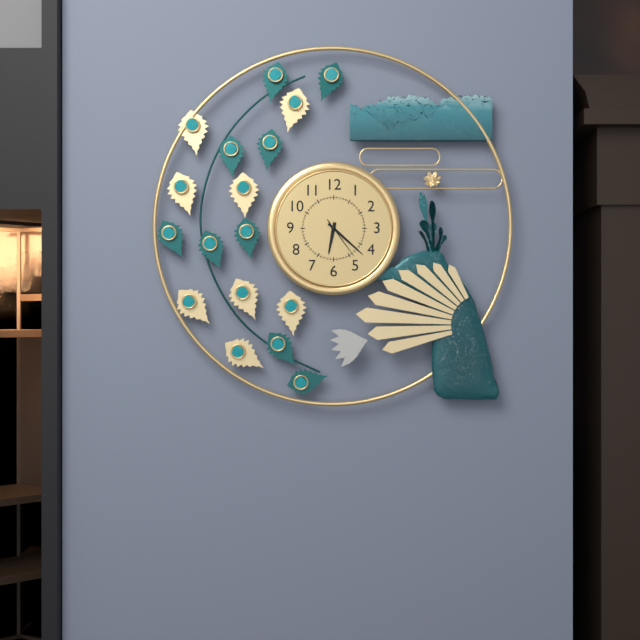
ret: **6:22**
